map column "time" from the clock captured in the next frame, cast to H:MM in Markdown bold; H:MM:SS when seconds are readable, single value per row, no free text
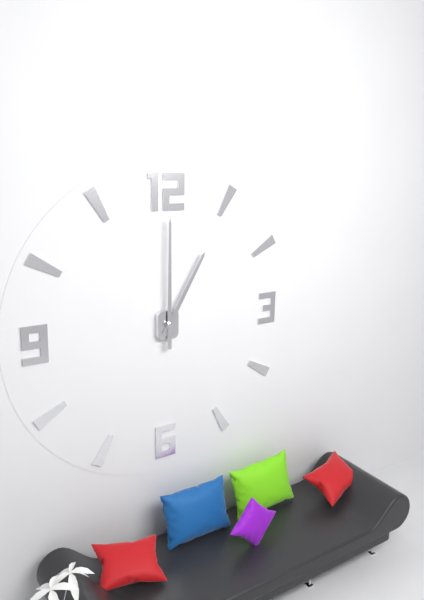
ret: **1:00**
